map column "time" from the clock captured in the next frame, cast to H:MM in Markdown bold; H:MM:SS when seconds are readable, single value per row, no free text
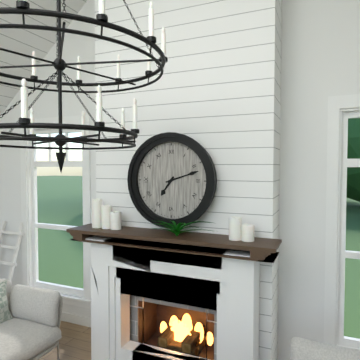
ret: **7:12**
